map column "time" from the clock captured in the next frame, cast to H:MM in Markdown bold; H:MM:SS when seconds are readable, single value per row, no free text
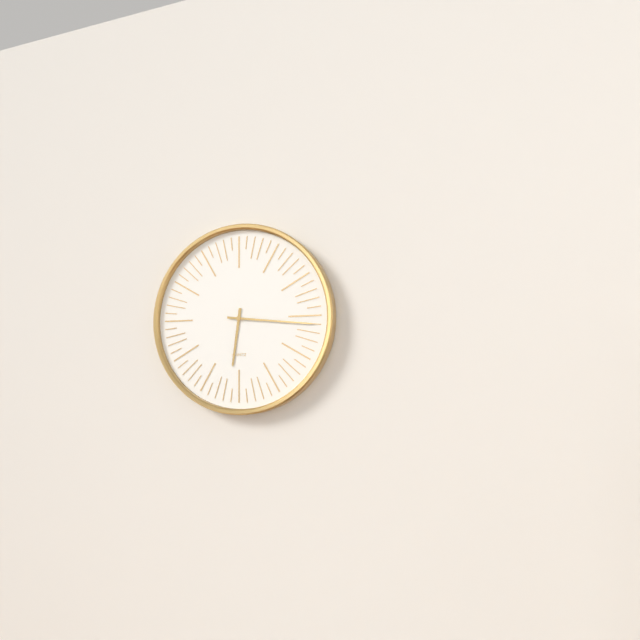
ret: **6:16**
